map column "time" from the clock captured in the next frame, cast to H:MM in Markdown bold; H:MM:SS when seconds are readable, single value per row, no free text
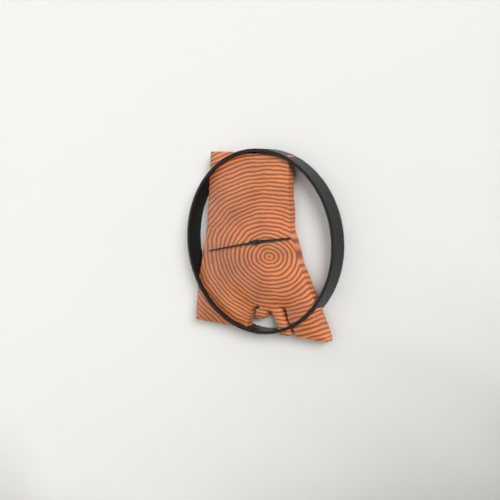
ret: **2:43**
